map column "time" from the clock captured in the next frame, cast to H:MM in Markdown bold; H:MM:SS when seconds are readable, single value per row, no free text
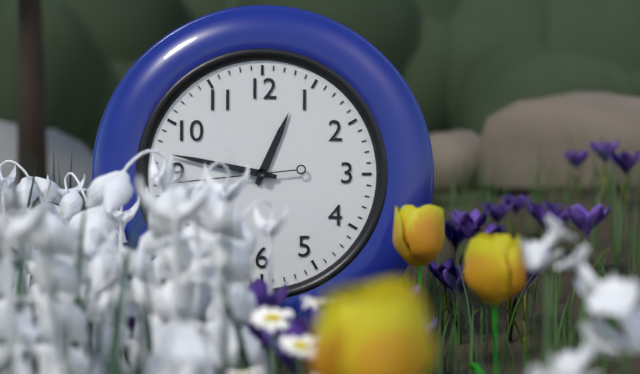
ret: **12:47:44**
